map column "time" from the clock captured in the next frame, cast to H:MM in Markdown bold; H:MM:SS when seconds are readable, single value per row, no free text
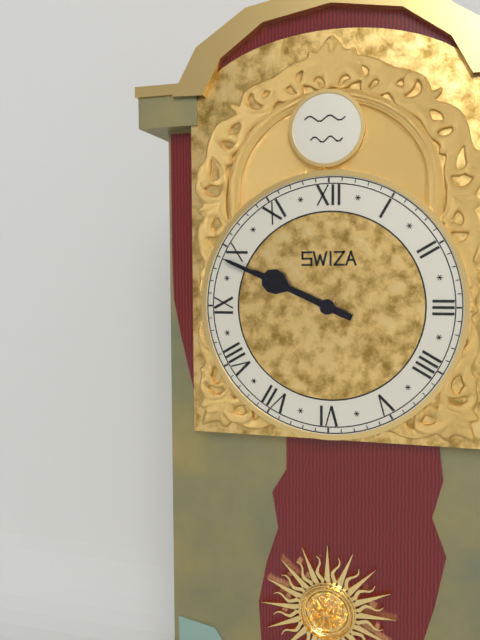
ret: **9:49**
